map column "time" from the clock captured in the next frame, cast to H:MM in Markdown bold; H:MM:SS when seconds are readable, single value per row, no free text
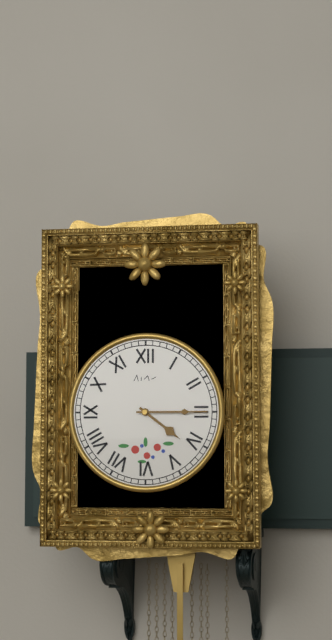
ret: **4:15**
